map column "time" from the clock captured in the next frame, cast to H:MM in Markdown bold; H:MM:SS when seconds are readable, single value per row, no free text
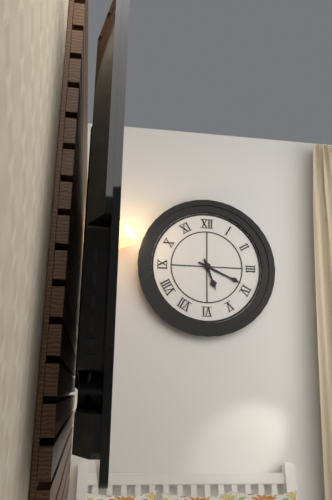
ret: **5:19**
